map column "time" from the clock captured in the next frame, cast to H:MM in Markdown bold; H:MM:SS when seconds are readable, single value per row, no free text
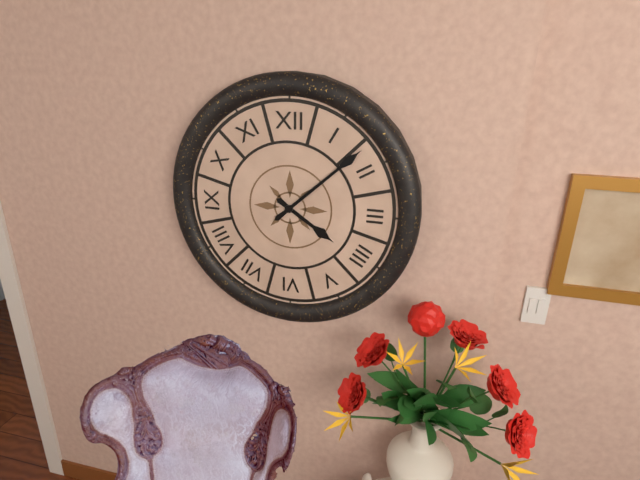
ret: **4:08**
